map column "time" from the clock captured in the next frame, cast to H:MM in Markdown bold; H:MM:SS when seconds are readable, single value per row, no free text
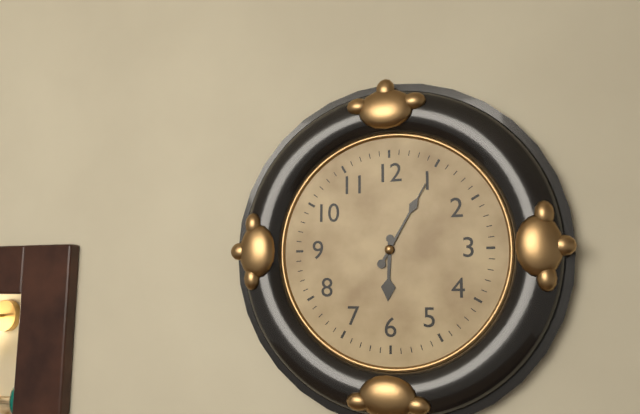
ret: **6:05**
